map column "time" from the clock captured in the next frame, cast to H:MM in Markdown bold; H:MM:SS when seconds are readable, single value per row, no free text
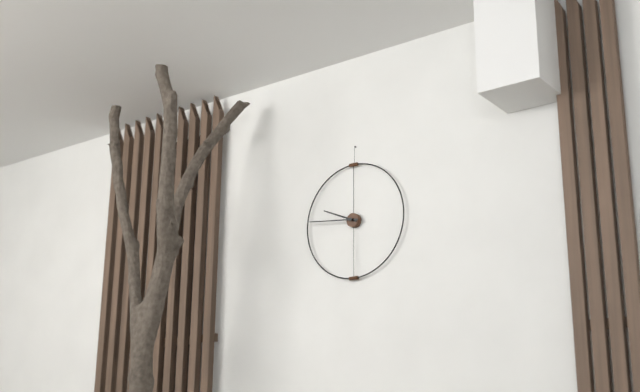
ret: **9:46**
